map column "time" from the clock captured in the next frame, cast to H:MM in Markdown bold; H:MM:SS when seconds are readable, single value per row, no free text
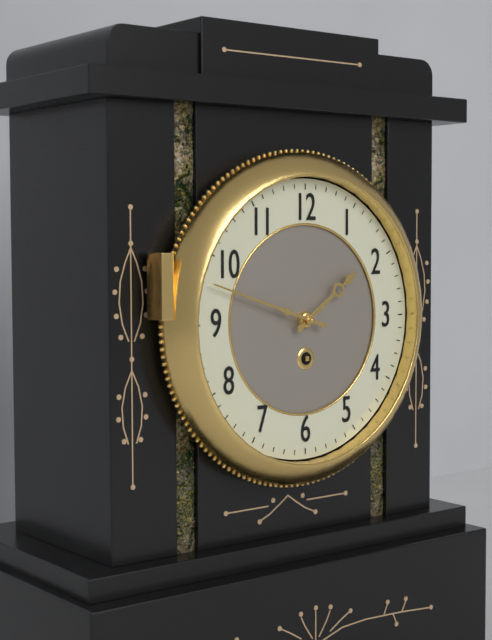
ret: **1:48**
